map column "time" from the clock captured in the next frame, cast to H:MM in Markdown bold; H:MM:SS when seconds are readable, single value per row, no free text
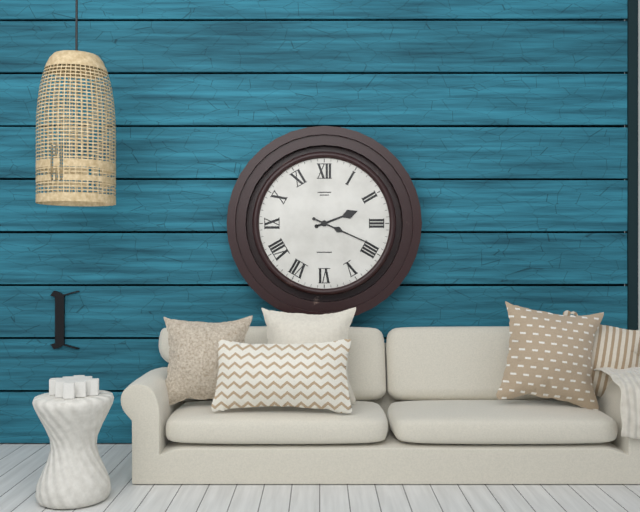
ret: **2:19**
